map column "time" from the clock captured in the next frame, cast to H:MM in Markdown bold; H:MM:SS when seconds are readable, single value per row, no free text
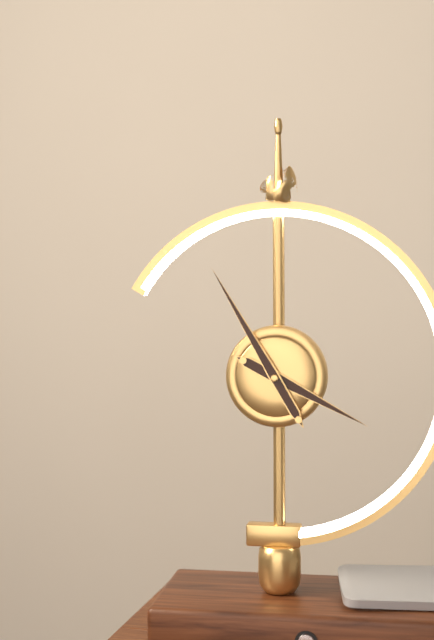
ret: **3:55**
